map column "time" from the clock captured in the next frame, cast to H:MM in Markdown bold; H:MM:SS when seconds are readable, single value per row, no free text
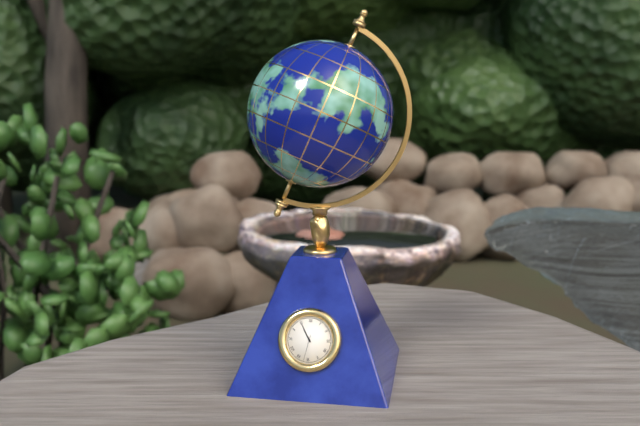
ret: **10:55**
